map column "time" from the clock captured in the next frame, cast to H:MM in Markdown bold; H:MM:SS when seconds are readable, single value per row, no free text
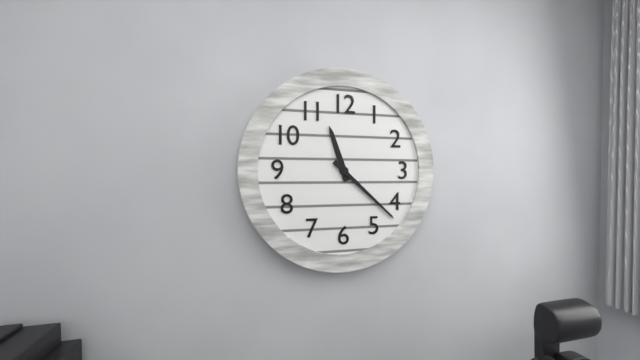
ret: **11:22**
